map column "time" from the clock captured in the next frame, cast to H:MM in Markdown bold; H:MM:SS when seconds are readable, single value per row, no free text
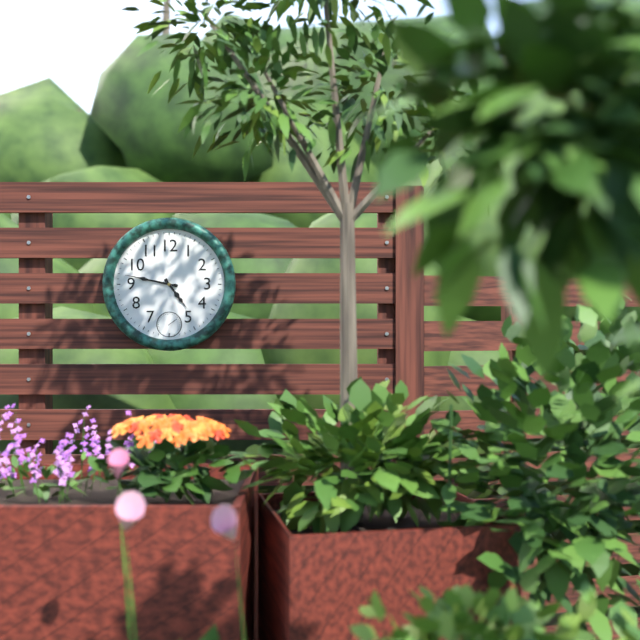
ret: **4:47**
